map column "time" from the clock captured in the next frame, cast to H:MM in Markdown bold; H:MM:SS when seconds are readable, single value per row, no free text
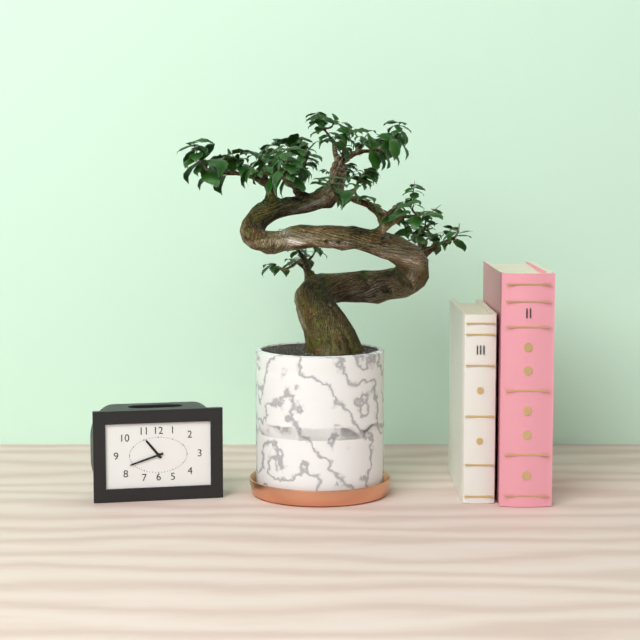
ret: **10:42**
